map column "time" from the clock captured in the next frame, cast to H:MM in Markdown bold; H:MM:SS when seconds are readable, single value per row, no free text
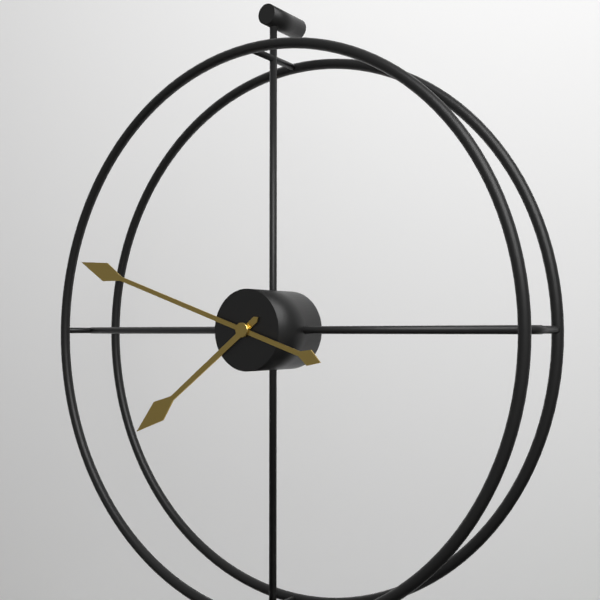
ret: **7:48**
